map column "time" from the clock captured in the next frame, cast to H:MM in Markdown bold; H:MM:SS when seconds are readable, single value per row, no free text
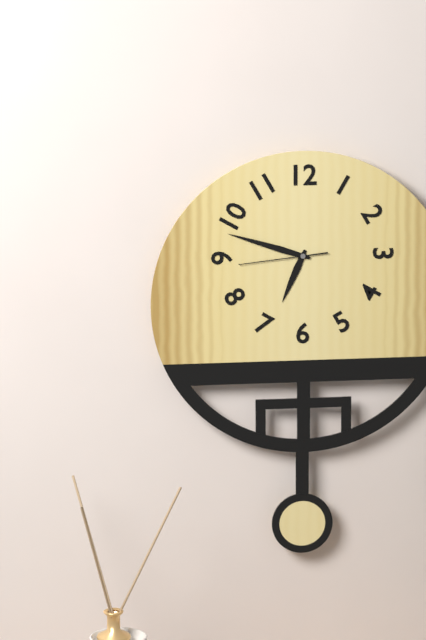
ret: **6:48:44**
